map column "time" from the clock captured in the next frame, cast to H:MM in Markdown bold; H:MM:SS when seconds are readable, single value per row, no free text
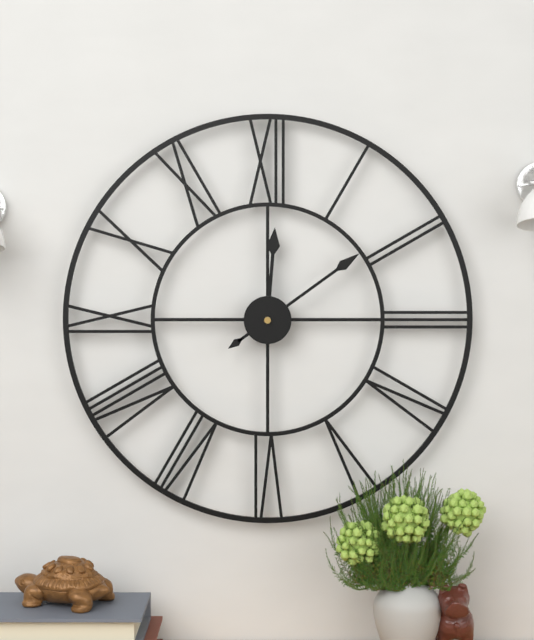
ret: **12:09**
